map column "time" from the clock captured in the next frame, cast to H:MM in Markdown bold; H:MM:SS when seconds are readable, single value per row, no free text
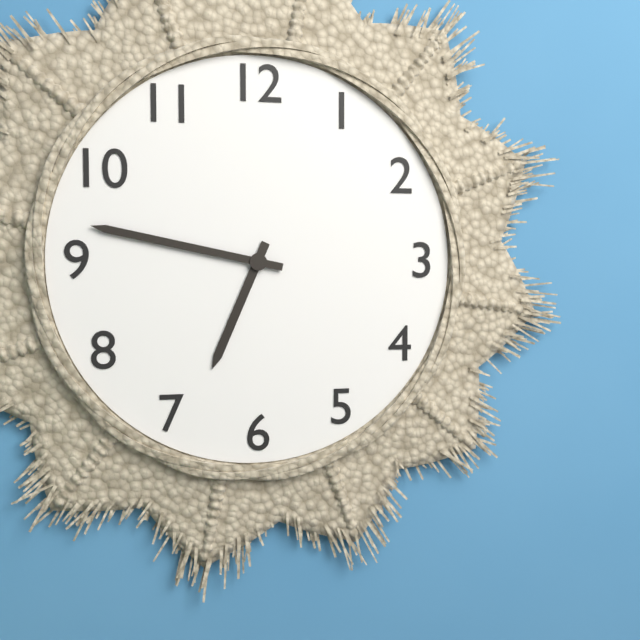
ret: **6:47**
